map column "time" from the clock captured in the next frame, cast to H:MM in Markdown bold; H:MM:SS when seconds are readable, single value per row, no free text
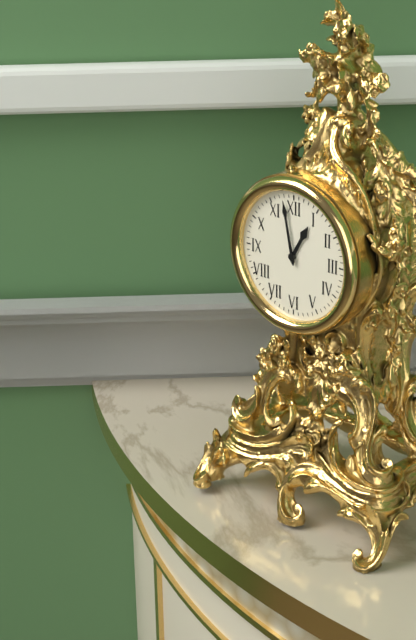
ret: **12:58**
